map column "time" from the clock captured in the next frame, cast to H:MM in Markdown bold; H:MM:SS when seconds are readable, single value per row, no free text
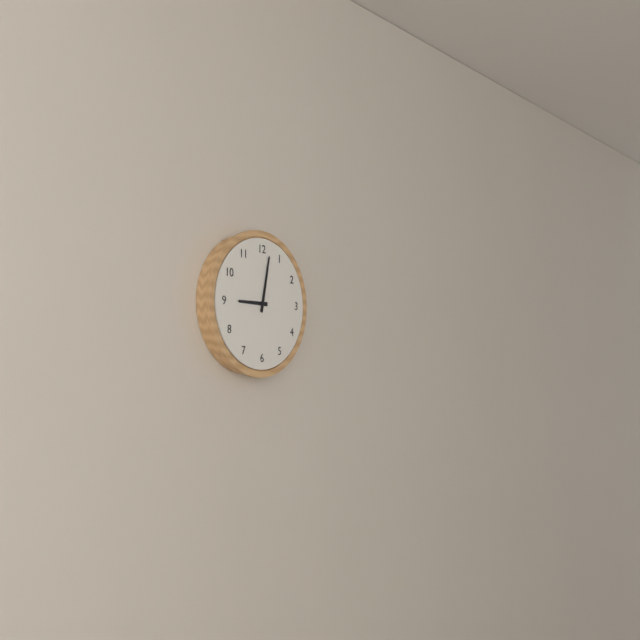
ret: **9:02**
